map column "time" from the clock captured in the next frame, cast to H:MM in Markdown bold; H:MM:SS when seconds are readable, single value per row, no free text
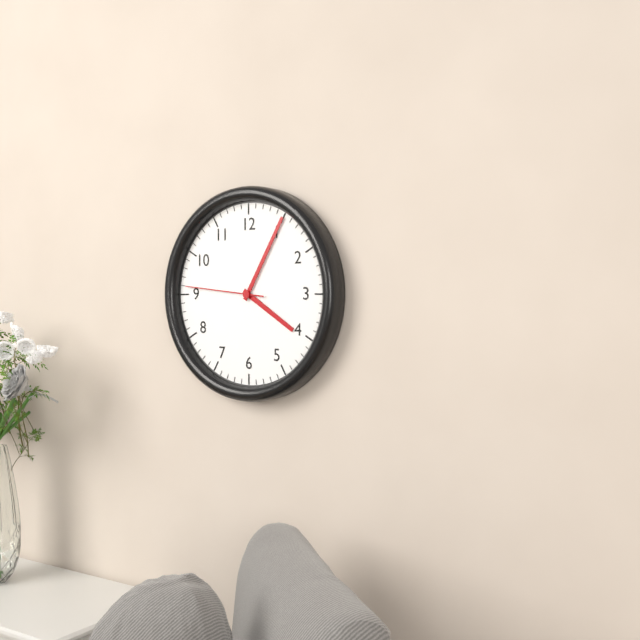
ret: **4:05:46**
